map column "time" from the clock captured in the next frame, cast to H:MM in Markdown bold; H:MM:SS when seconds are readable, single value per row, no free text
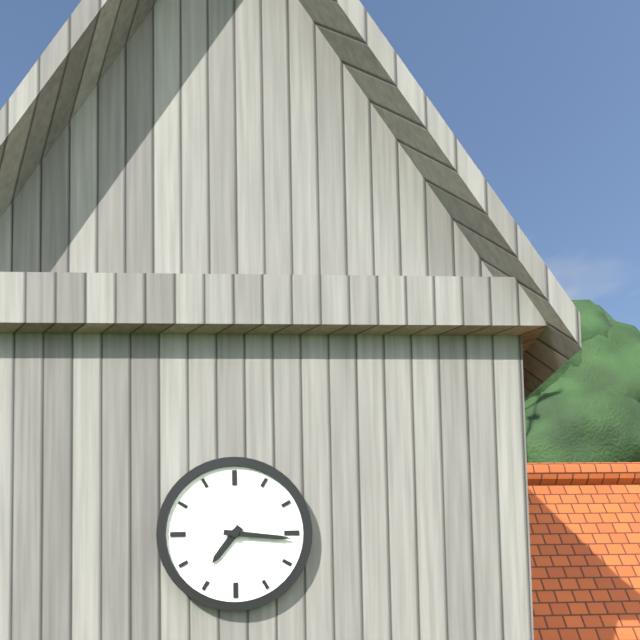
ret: **7:16**
